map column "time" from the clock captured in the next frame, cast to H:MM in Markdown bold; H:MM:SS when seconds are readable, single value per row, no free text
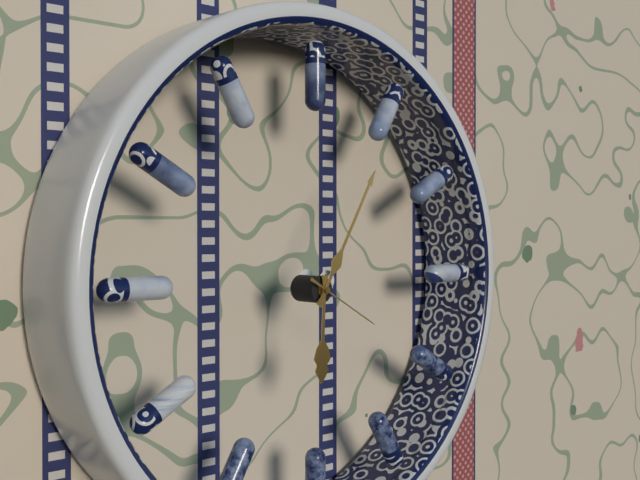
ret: **6:05:20**
